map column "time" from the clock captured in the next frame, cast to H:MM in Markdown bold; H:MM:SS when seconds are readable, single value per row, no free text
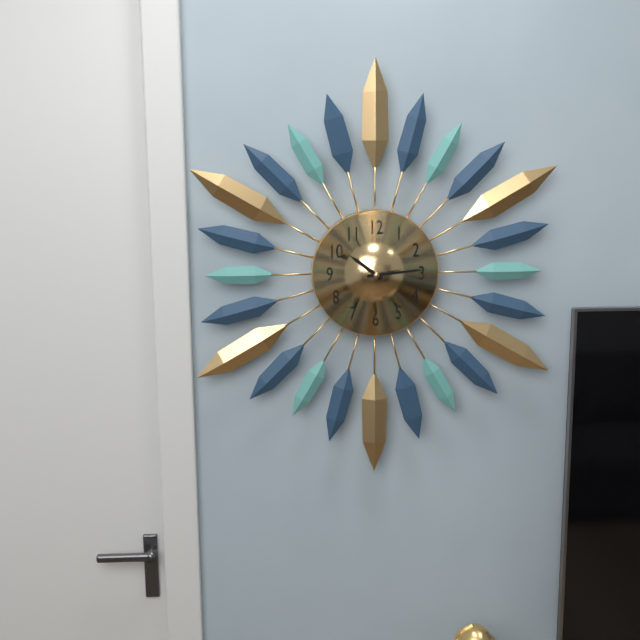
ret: **10:14**
